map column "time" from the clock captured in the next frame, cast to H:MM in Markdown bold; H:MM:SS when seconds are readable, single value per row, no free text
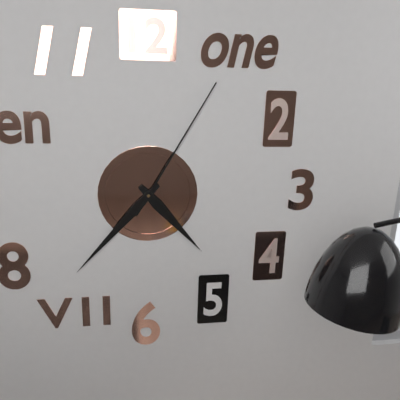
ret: **4:37:05**
